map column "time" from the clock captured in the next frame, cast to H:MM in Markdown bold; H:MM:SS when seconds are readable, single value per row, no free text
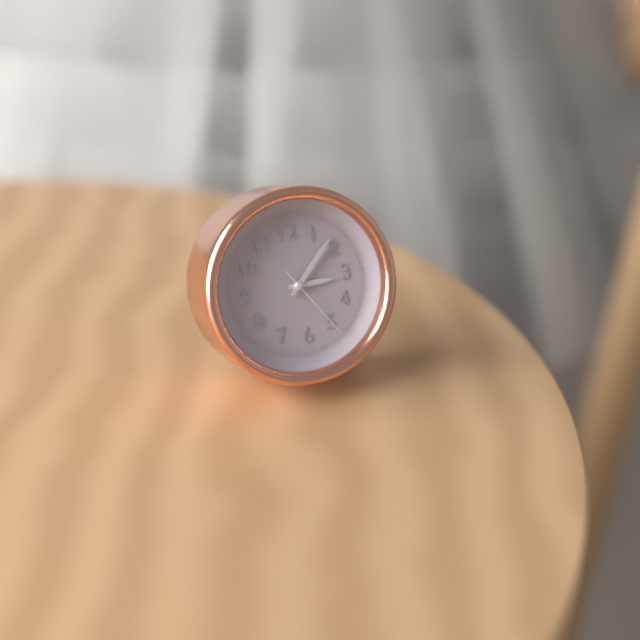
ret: **3:08:25**
